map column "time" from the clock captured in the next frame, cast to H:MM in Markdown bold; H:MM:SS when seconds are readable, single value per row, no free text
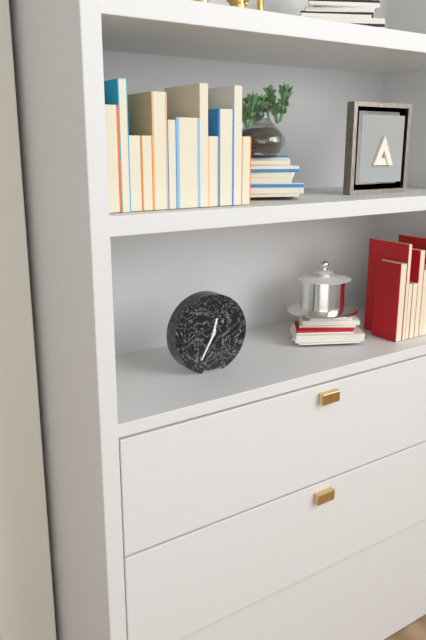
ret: **12:35**
